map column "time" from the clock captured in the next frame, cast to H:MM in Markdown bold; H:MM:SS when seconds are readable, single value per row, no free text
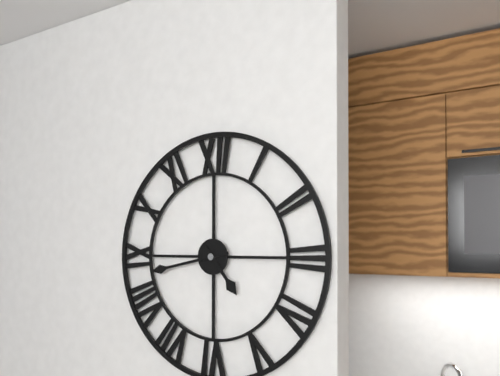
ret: **4:43**
